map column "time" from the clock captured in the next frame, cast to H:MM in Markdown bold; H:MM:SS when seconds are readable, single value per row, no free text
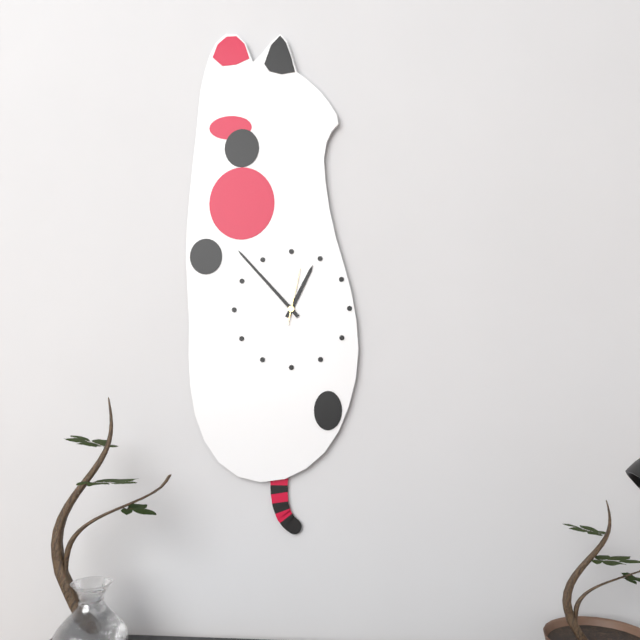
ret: **12:53:02**
